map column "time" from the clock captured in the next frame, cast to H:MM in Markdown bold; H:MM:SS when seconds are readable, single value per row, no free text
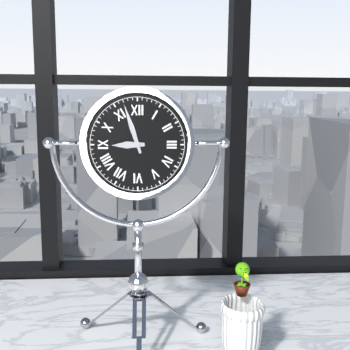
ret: **8:57**
